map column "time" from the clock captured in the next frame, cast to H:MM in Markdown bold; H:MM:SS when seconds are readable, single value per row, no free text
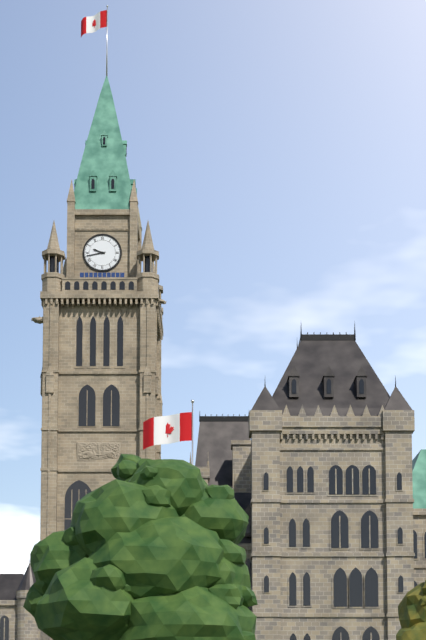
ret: **9:43**
